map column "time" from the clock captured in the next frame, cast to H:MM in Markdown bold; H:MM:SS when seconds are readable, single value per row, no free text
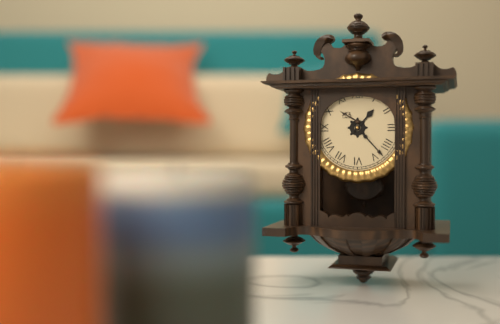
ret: **1:23**
